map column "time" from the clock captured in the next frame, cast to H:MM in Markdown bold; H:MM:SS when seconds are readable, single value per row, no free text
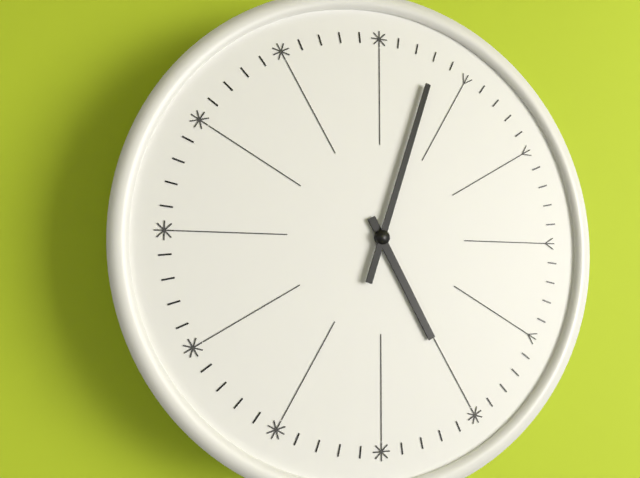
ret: **5:03**
